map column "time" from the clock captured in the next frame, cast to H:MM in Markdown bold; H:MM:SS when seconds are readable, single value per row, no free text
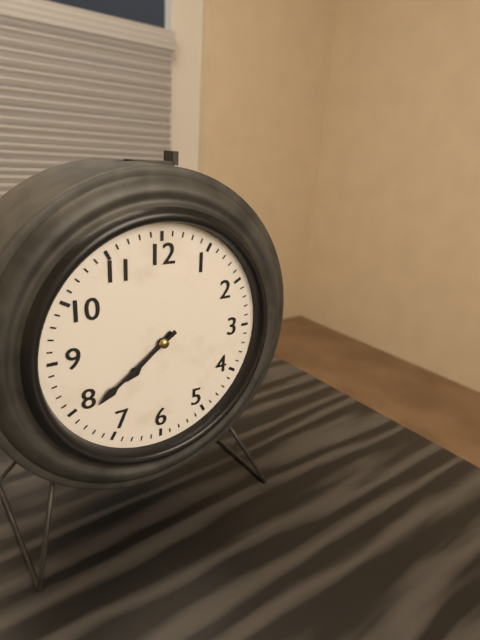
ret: **7:39**
